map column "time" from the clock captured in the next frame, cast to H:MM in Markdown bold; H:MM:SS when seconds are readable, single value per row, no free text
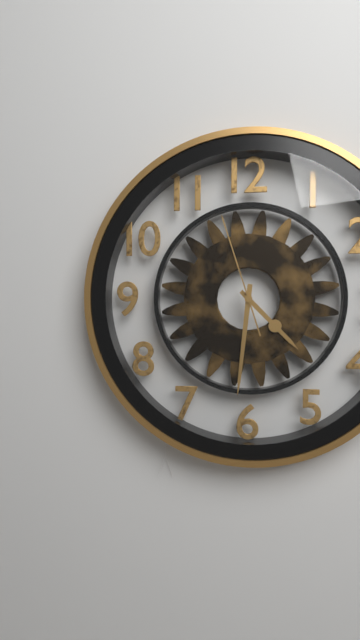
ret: **4:31:57**
